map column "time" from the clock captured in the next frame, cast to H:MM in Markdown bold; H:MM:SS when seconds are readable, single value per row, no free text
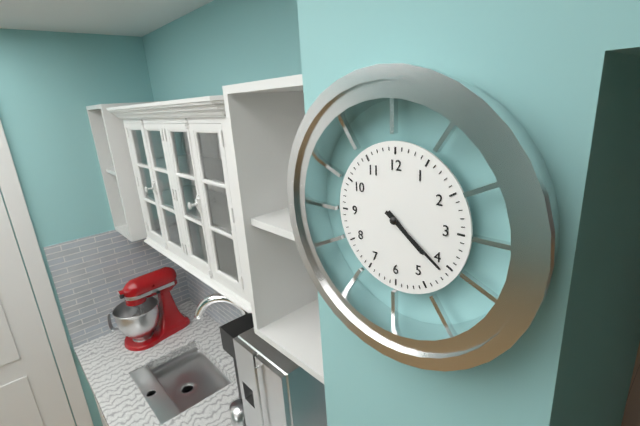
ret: **4:21**
